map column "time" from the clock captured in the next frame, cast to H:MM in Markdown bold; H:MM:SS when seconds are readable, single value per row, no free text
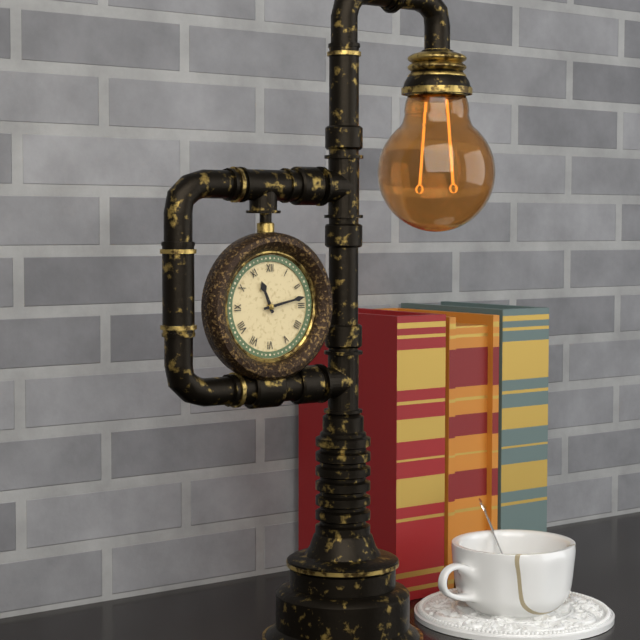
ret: **11:13**
